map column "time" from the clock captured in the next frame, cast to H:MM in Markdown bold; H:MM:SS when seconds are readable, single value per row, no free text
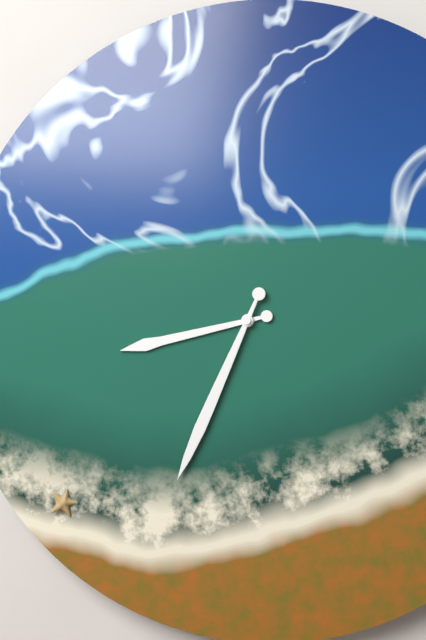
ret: **8:34**
